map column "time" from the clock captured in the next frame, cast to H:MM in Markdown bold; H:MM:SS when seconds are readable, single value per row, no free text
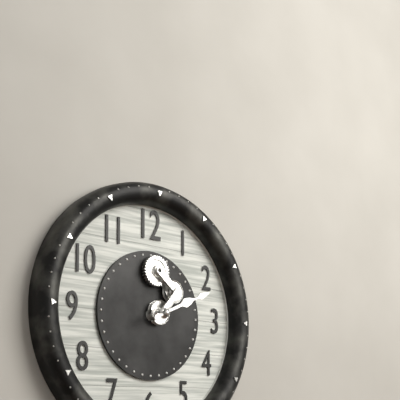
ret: **2:11**
